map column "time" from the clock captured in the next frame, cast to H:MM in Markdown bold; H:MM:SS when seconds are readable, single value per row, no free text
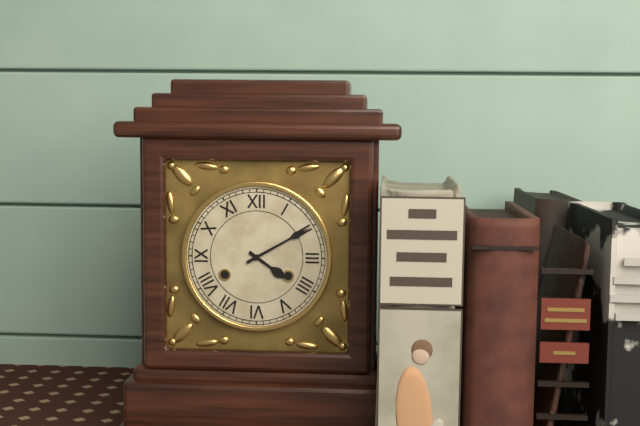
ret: **4:10**
